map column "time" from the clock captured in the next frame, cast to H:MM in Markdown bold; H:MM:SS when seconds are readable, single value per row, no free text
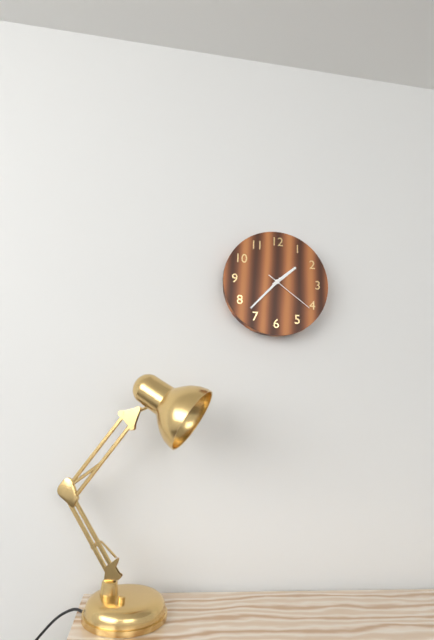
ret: **1:37:21**
